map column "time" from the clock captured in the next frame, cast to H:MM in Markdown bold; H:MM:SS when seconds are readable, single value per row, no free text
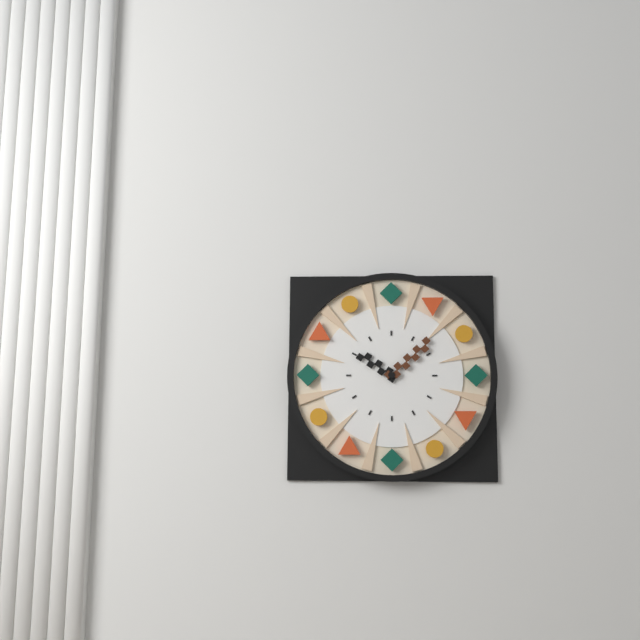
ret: **10:08**
